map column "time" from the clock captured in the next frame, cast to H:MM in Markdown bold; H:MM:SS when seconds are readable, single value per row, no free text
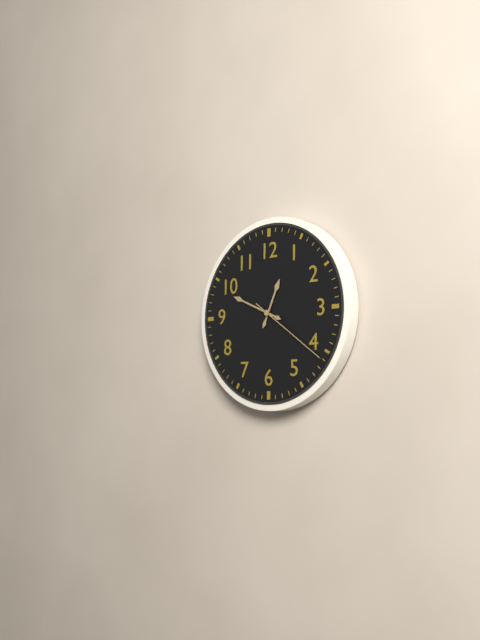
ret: **12:49:21**
